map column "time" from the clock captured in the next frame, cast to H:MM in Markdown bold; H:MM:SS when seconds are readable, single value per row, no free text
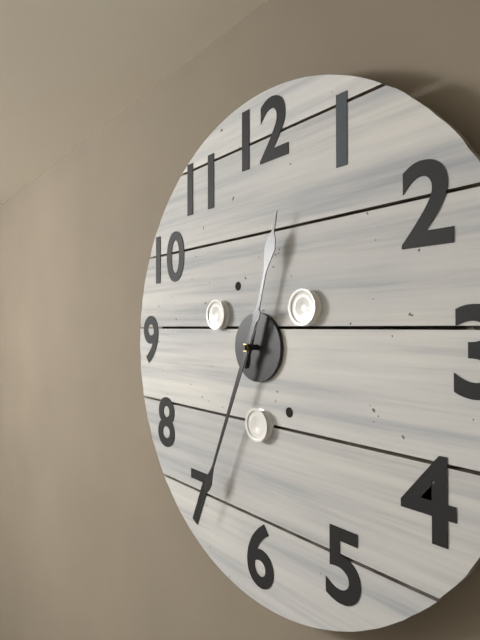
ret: **12:34**
